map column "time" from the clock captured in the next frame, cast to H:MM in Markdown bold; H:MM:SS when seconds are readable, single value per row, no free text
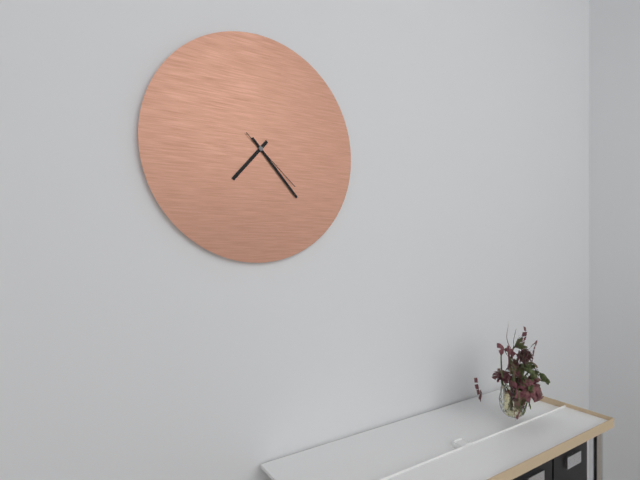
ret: **7:23:22**
